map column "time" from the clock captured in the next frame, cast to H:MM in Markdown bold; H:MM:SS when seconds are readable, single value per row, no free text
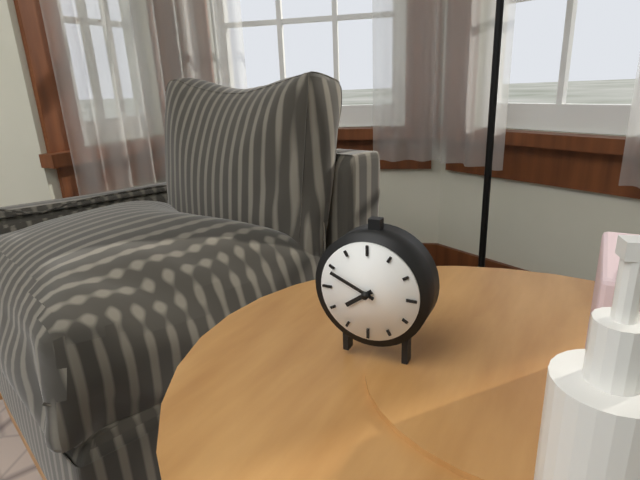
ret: **7:49**
